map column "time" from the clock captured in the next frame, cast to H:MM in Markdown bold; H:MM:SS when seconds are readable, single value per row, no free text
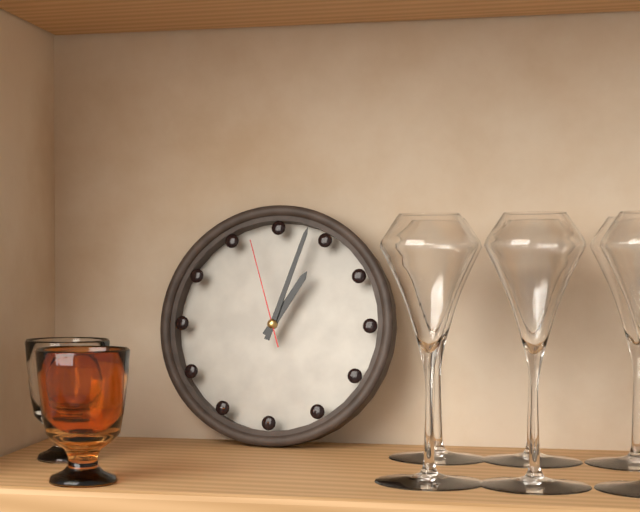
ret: **1:03:57**
